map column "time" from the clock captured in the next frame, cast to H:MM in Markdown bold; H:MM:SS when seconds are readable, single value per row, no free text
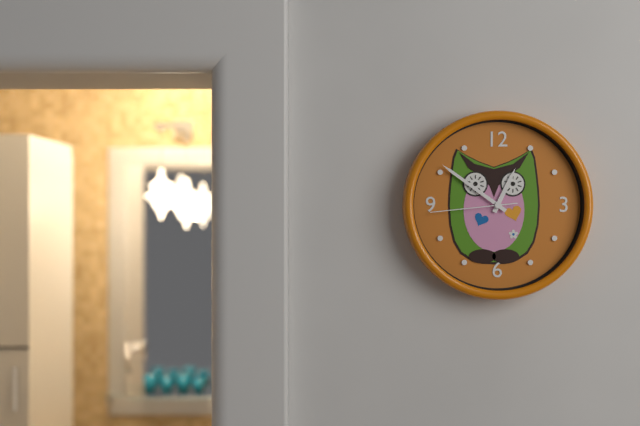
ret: **12:51:44**
